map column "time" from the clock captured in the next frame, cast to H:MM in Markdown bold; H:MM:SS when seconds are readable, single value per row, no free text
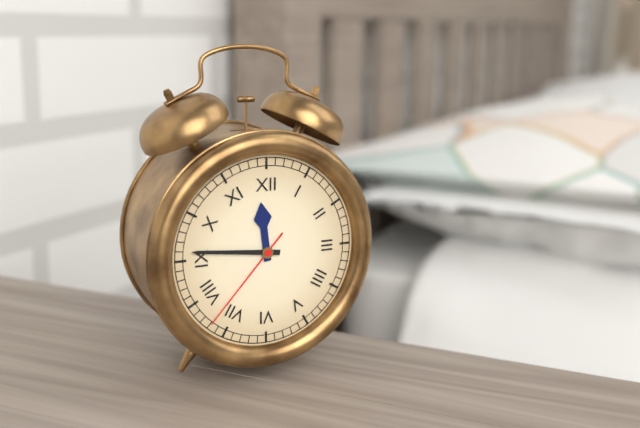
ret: **11:46:37**
